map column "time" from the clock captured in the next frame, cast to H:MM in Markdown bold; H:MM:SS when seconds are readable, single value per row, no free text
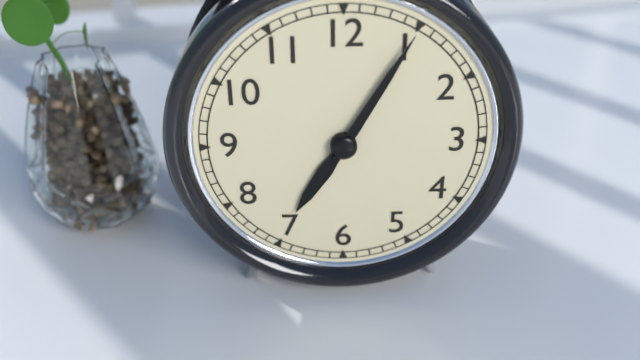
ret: **7:05**
